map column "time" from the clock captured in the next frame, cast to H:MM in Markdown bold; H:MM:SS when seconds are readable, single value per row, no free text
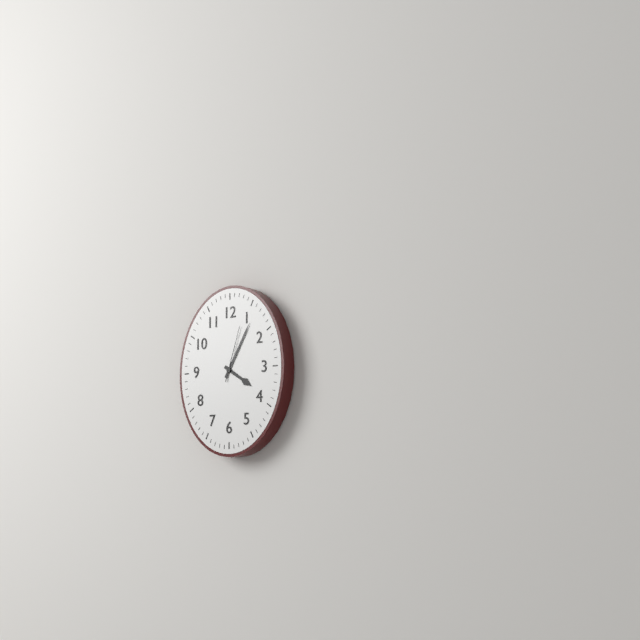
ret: **4:05:03**
